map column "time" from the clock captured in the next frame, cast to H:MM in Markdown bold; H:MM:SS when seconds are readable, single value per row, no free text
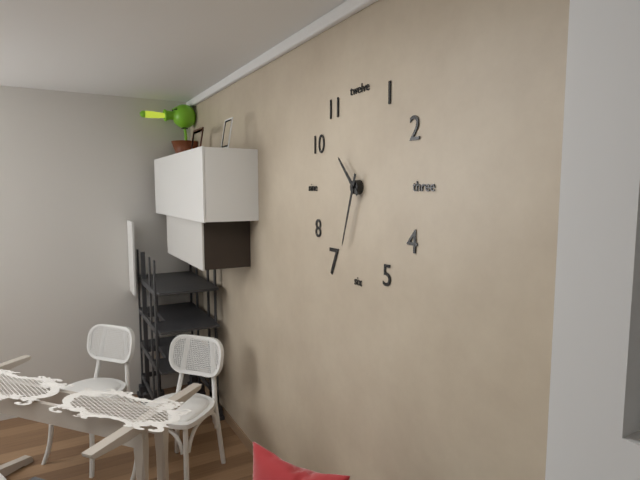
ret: **10:33**
